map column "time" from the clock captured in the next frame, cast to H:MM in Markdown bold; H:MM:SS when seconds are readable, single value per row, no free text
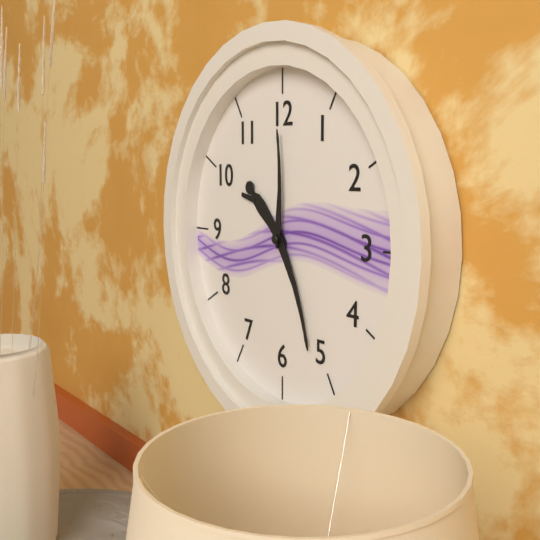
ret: **10:26:00**
